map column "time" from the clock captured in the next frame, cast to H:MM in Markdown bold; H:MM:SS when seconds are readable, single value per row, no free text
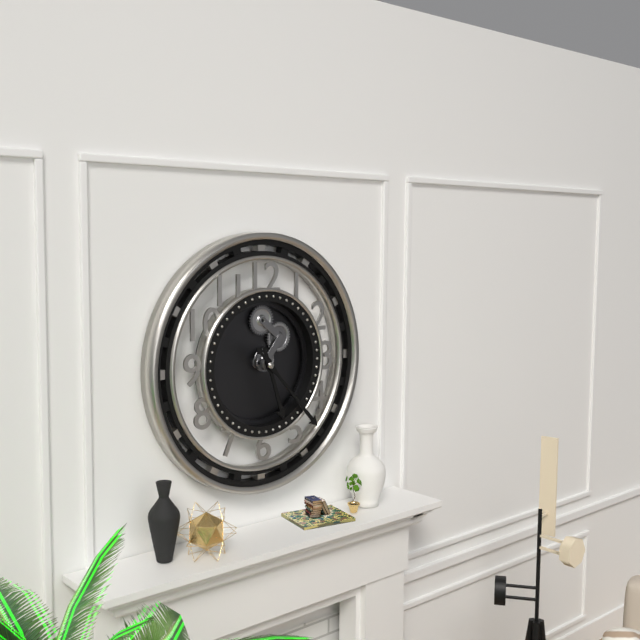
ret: **5:23**
